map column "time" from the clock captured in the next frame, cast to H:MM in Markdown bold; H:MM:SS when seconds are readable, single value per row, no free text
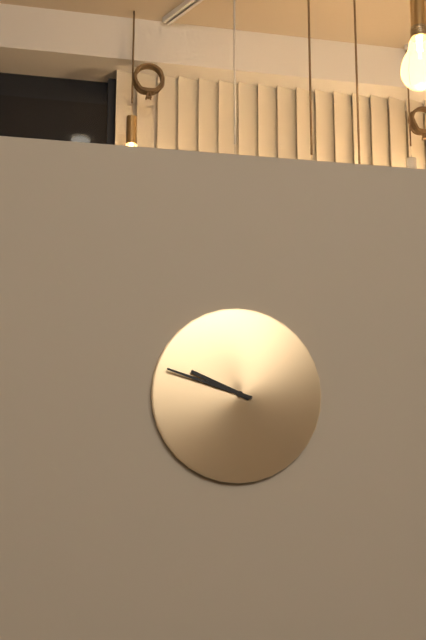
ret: **9:48**
